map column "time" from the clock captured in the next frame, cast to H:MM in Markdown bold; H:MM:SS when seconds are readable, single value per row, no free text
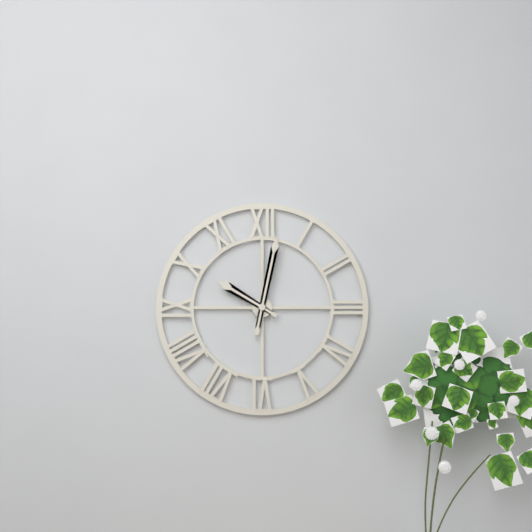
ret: **10:02**
